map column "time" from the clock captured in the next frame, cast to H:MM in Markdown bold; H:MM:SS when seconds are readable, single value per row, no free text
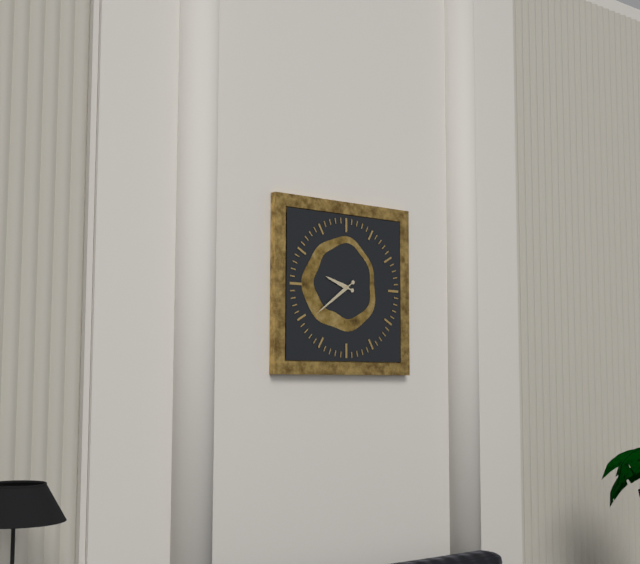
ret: **9:39**
